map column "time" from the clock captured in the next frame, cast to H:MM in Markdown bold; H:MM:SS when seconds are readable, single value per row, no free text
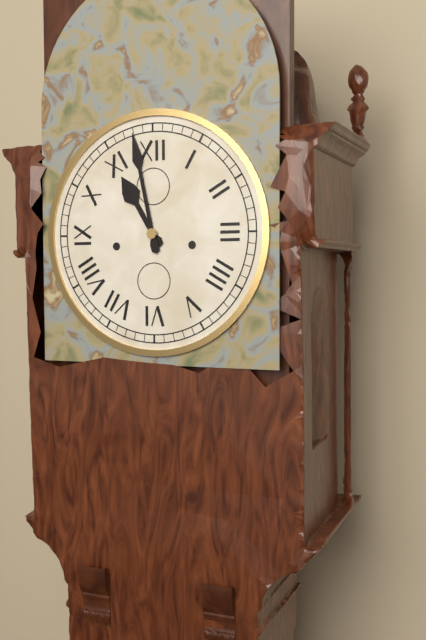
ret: **10:58**
